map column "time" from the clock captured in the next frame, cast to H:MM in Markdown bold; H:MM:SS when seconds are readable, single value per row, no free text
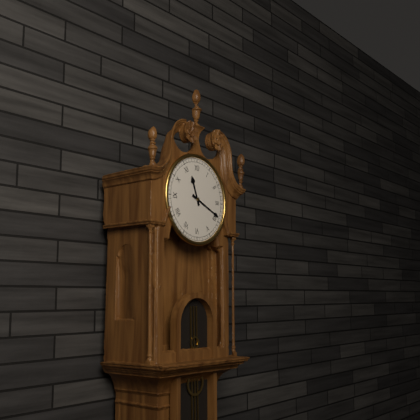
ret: **11:19**
